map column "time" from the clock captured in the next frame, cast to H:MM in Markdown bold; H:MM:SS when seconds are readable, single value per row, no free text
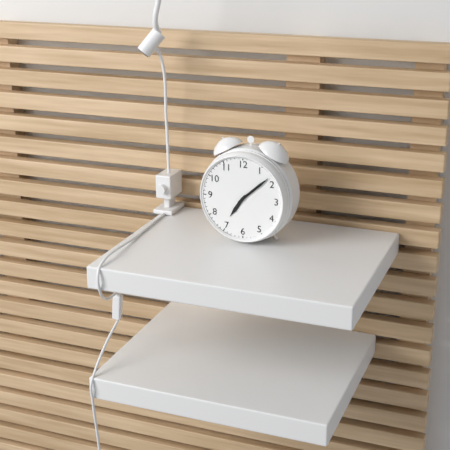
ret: **7:08**
